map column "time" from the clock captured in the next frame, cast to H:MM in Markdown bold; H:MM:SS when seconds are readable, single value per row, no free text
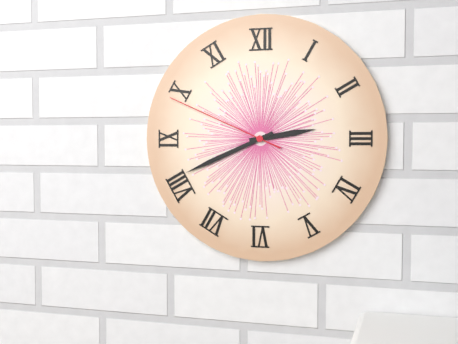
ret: **2:41:49**
